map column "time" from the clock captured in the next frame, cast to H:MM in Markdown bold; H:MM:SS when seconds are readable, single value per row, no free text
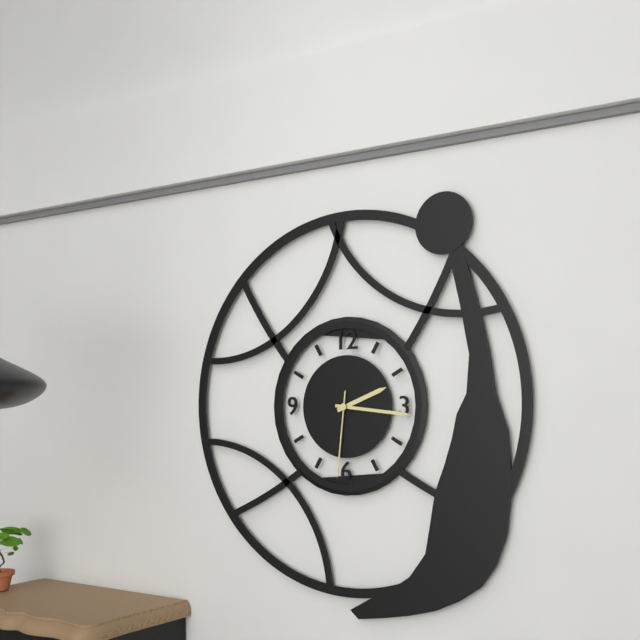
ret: **2:16:31**
